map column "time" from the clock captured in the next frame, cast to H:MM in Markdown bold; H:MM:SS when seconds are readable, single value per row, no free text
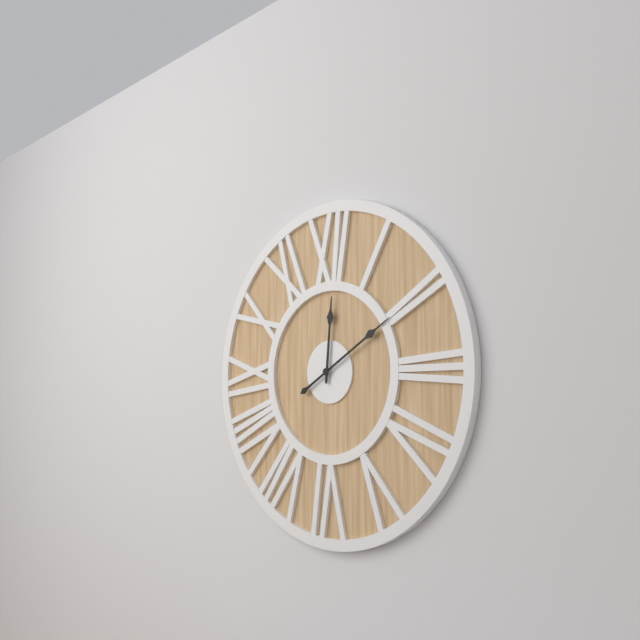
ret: **12:10**
